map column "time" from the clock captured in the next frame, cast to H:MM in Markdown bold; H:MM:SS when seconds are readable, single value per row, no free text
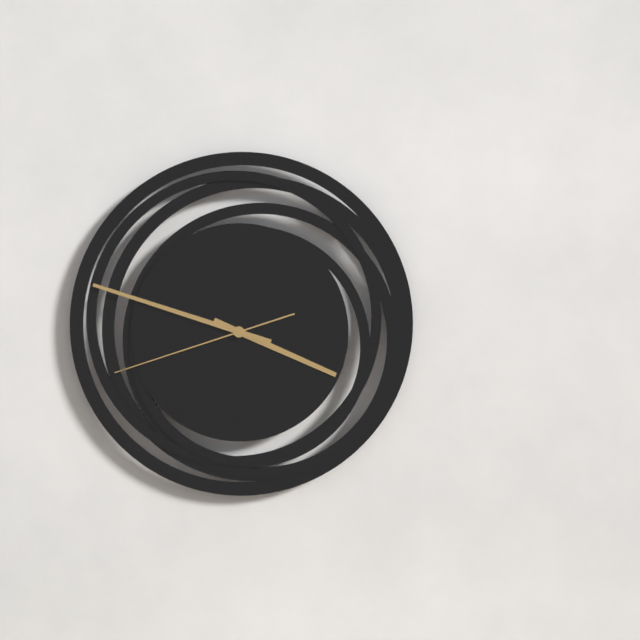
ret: **3:48:42**
